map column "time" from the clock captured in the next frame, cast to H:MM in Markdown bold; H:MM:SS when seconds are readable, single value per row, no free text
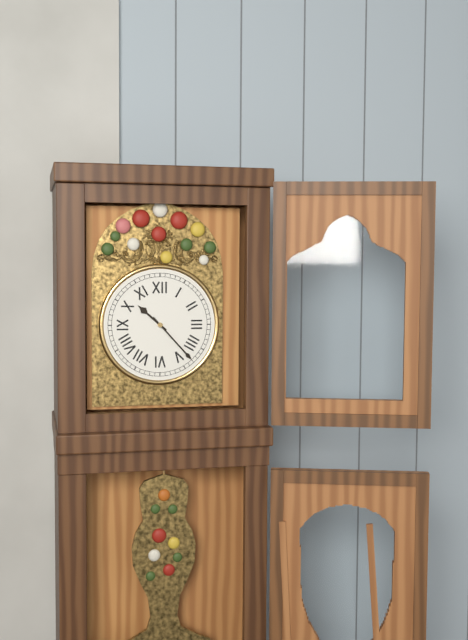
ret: **10:23**
